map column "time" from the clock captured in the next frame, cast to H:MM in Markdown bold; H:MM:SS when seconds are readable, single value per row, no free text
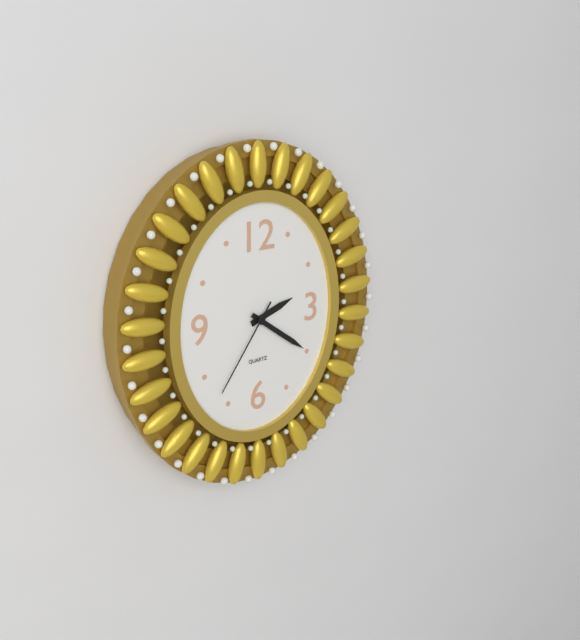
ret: **2:21:36**
